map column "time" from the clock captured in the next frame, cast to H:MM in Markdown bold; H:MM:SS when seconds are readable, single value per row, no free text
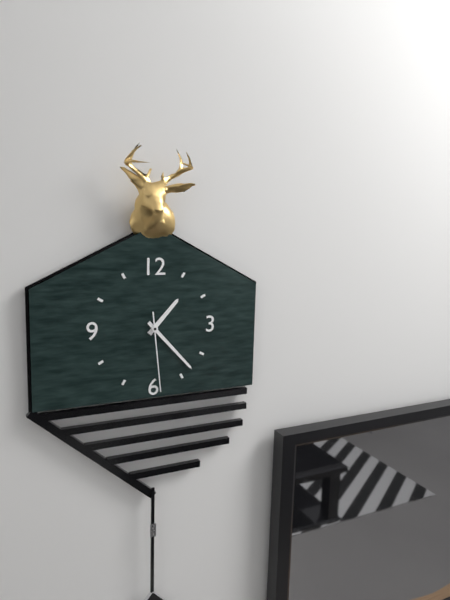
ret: **1:23:29**
